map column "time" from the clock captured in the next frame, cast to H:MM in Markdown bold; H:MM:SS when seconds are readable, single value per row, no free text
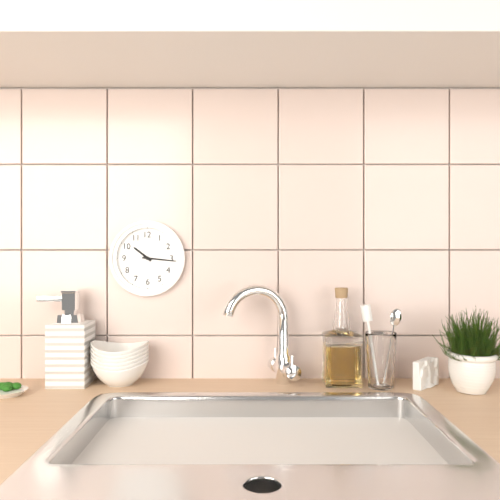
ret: **10:16**
